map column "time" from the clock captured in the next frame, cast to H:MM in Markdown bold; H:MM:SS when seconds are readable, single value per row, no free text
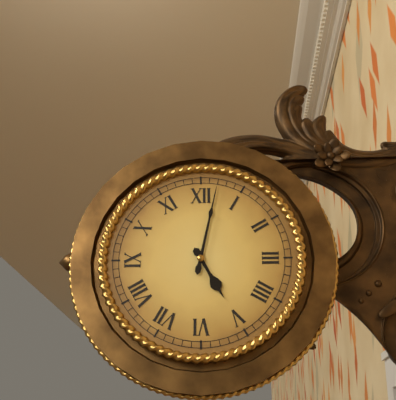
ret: **5:02**
